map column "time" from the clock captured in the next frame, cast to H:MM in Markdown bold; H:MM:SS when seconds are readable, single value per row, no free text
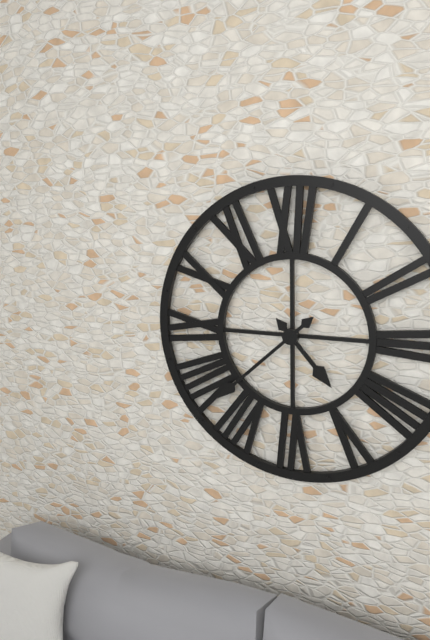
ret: **4:38**
